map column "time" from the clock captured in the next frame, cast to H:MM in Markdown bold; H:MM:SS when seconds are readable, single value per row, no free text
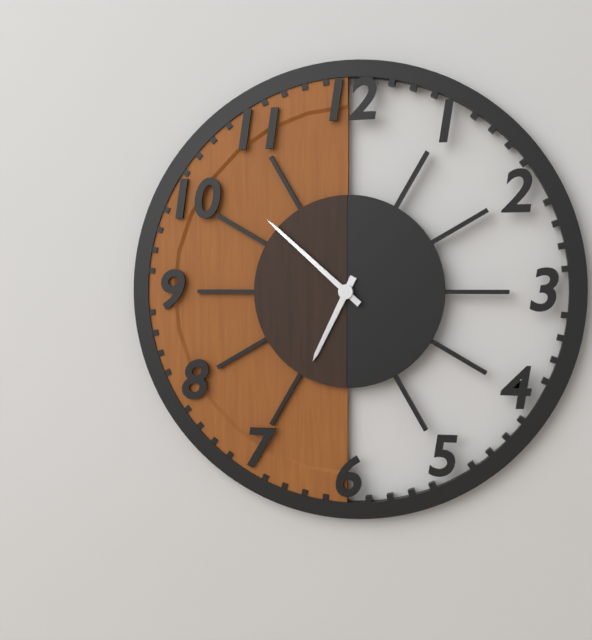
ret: **6:52**
